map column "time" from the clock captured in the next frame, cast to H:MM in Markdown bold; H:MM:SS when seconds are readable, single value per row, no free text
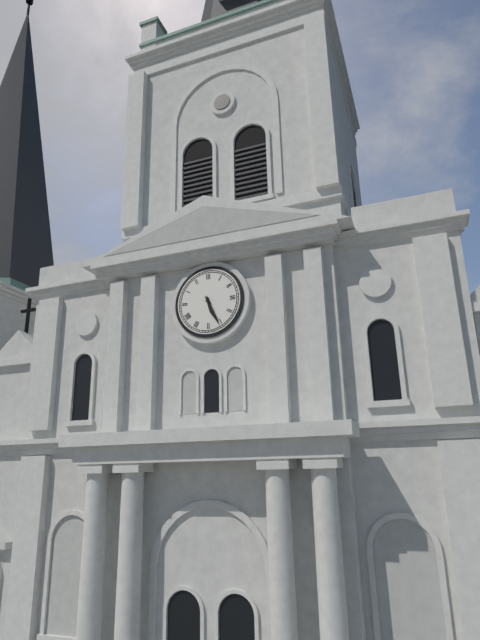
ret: **5:26**
